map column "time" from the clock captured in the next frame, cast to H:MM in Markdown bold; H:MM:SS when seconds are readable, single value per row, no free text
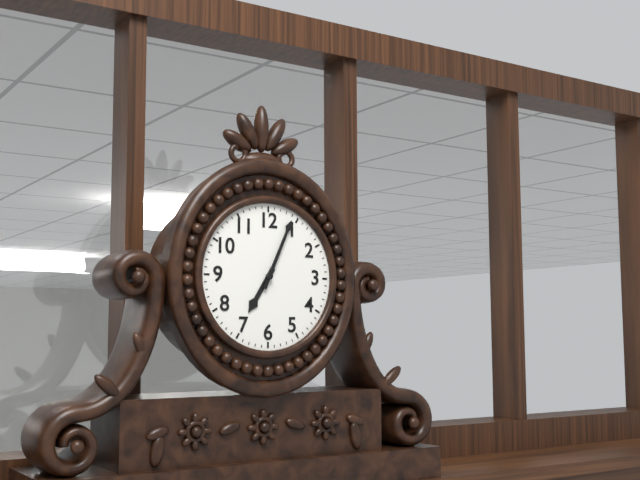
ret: **7:04**
